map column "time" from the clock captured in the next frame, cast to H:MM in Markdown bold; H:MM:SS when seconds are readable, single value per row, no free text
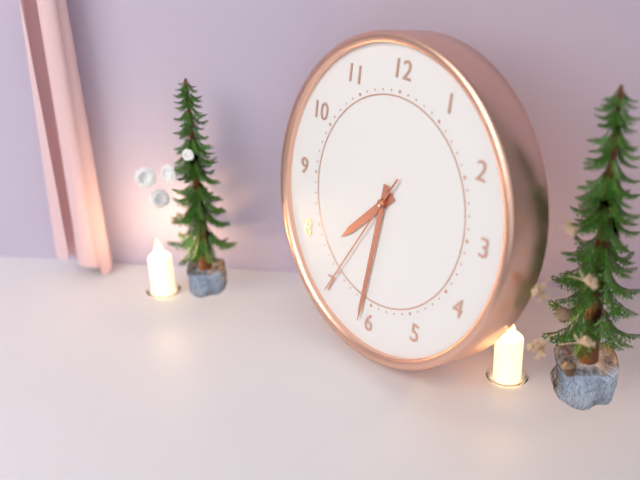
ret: **7:31:35**
